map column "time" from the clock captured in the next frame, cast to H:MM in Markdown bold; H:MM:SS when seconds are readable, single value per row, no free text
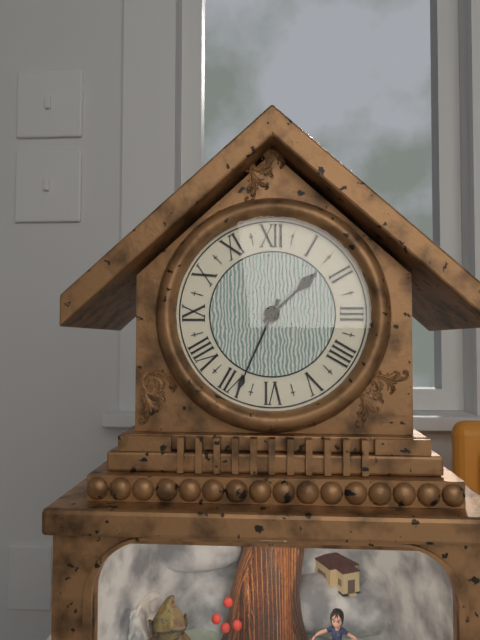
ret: **1:34**
